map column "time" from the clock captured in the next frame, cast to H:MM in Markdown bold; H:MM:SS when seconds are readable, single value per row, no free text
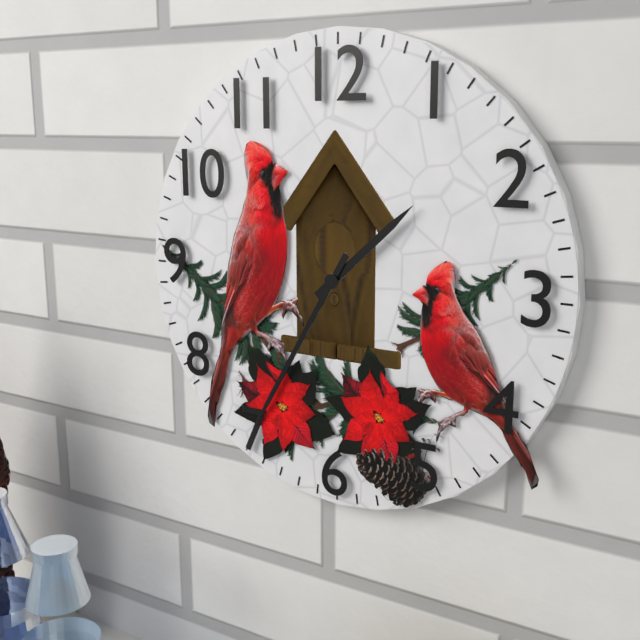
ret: **1:35**
